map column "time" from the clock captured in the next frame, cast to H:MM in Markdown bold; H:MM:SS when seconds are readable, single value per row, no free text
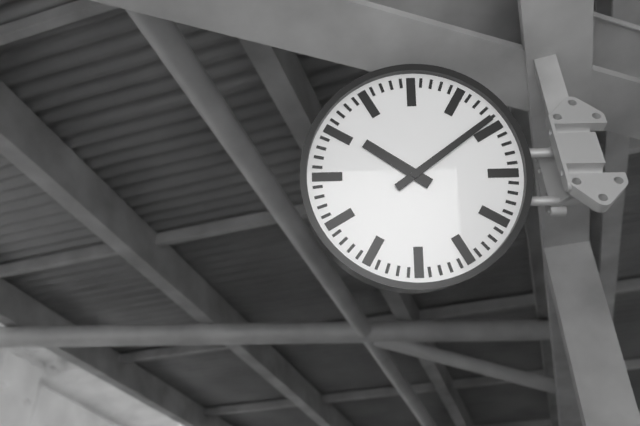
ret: **10:09**
